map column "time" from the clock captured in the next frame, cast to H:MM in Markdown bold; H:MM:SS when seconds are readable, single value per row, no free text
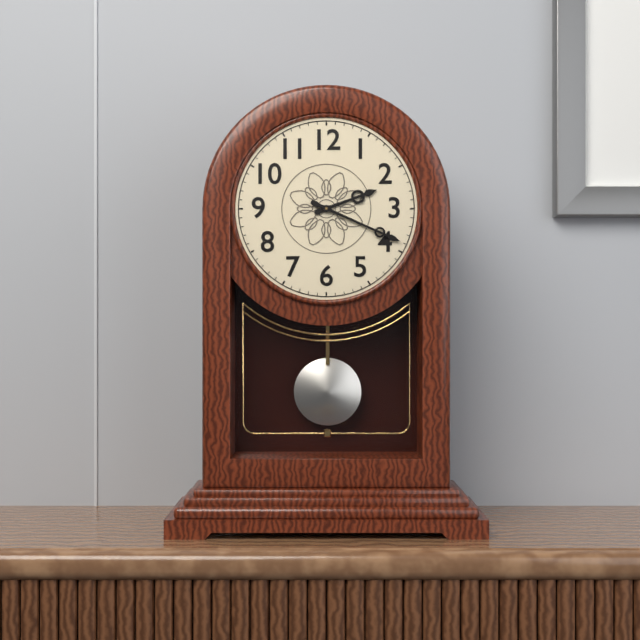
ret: **2:19**
